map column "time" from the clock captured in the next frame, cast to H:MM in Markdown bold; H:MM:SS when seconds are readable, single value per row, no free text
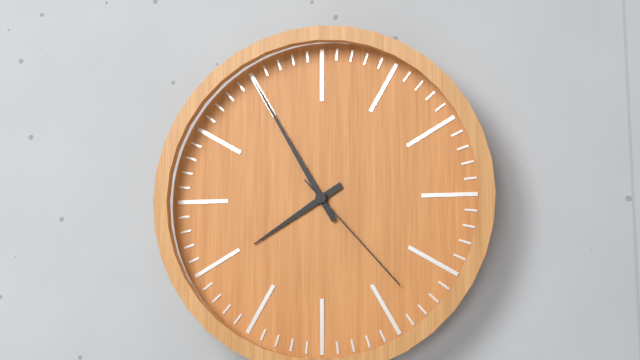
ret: **7:55:23**
